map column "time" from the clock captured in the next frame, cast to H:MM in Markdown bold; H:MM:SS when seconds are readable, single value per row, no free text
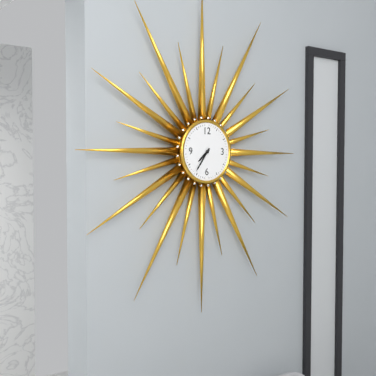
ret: **7:36**
